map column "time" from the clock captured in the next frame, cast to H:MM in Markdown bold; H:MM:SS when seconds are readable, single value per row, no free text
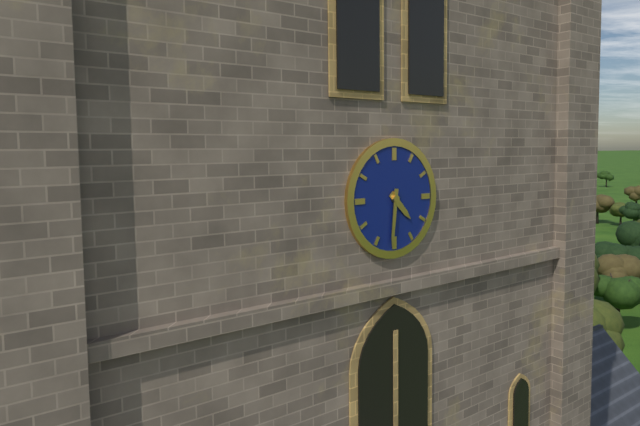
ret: **4:31**
